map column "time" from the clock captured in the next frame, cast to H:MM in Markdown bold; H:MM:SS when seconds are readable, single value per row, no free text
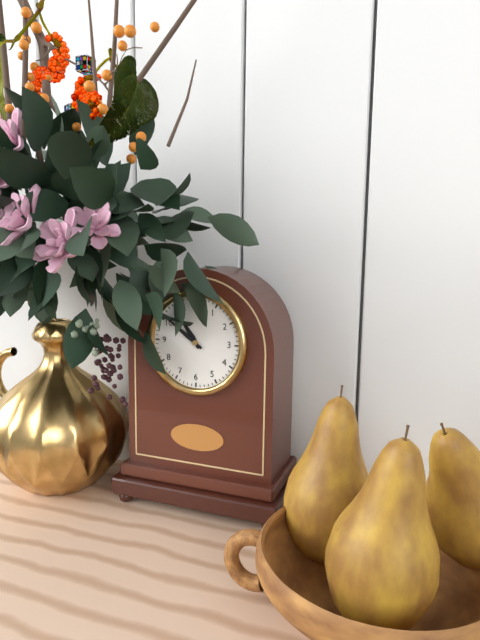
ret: **10:51**
